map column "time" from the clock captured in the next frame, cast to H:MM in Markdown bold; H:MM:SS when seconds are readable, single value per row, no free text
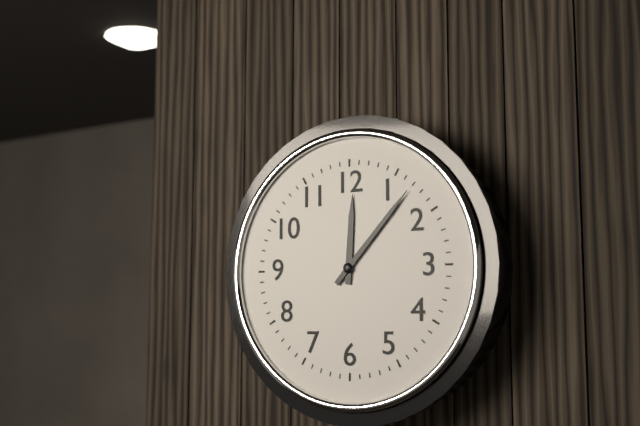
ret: **12:07**
